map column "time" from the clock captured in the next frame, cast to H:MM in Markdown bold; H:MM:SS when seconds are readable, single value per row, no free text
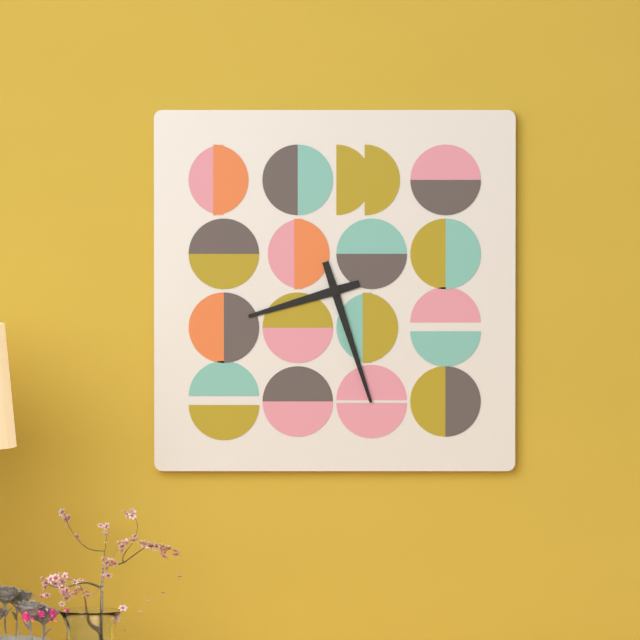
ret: **8:27**
